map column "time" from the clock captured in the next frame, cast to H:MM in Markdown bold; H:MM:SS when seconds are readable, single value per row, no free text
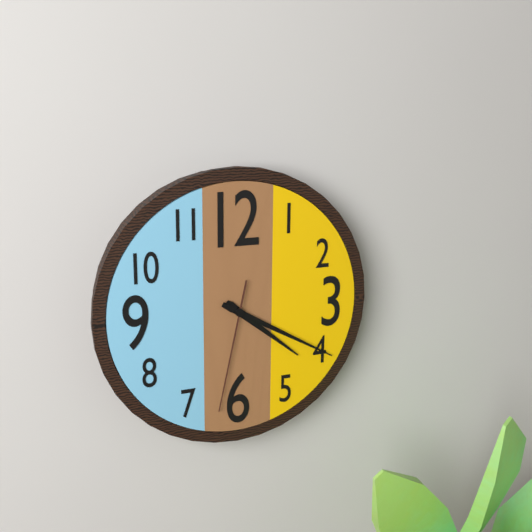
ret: **4:20:32**
